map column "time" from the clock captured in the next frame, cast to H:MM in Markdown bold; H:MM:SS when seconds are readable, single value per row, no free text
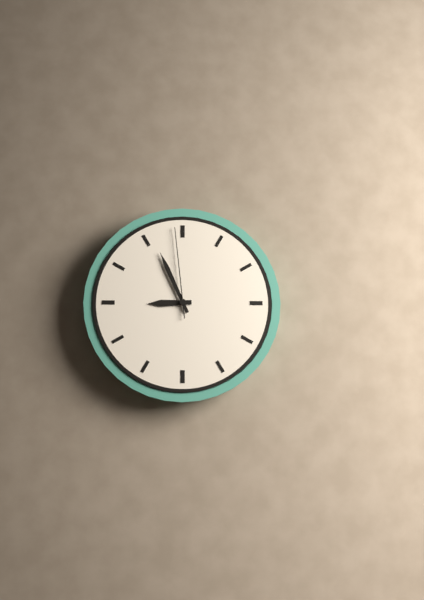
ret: **8:56:59**
